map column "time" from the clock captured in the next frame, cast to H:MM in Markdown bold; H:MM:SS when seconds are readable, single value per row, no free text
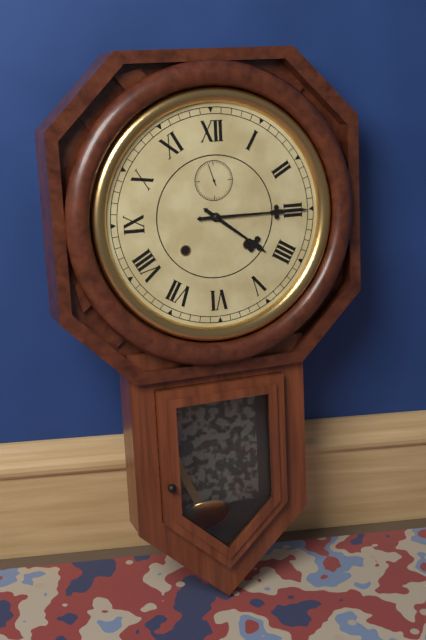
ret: **4:15**
